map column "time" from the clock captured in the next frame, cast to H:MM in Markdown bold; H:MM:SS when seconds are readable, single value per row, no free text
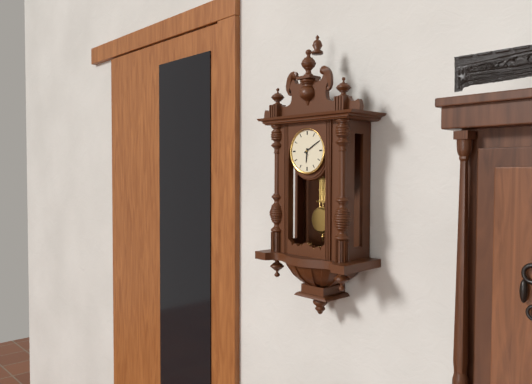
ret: **6:10**
